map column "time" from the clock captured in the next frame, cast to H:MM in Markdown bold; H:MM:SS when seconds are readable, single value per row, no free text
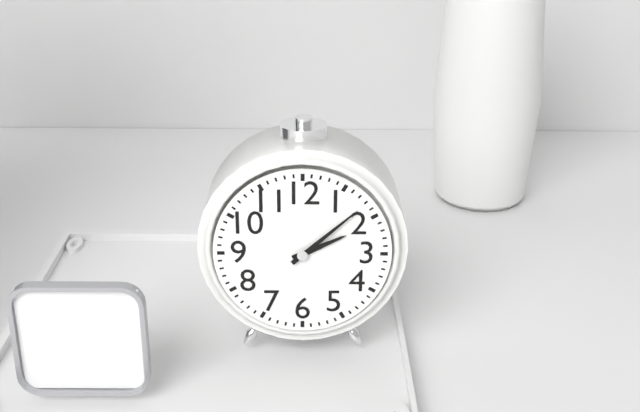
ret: **2:08**
